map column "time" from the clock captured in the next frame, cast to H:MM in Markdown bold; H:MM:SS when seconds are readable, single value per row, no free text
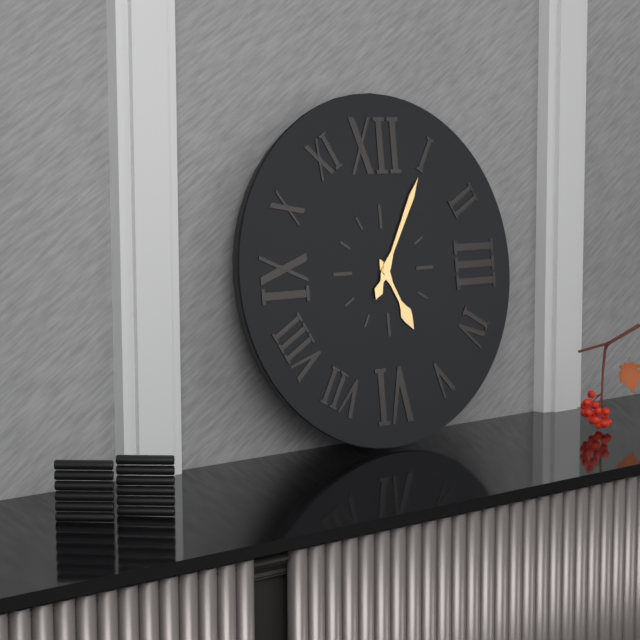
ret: **5:05**
